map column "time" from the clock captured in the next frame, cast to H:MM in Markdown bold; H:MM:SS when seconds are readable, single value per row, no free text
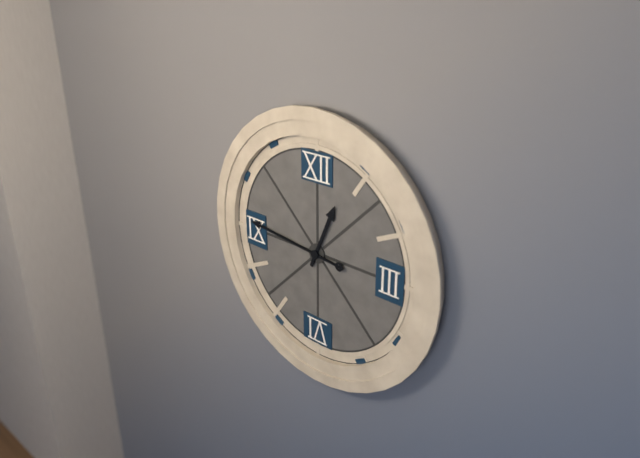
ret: **12:46**
